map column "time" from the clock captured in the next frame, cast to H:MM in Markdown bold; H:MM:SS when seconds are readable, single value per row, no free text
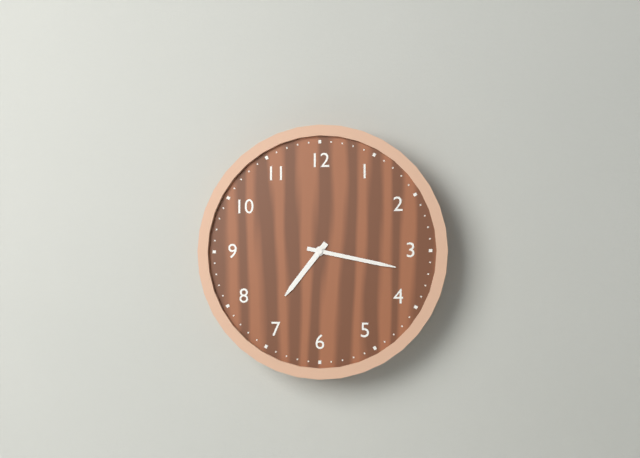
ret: **7:17**
